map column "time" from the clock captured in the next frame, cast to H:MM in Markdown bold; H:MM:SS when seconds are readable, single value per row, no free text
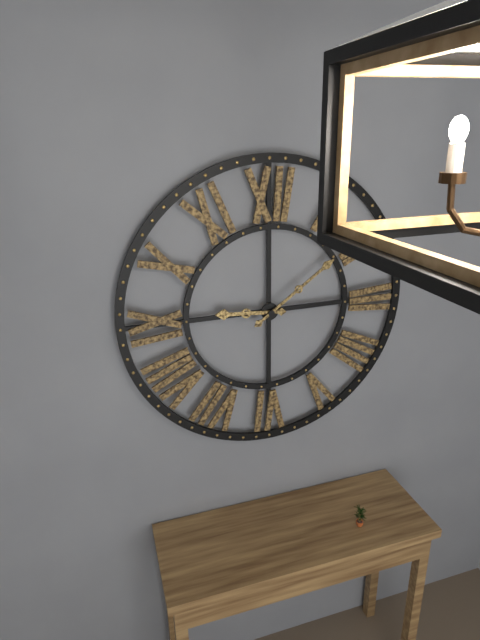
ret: **9:09**
